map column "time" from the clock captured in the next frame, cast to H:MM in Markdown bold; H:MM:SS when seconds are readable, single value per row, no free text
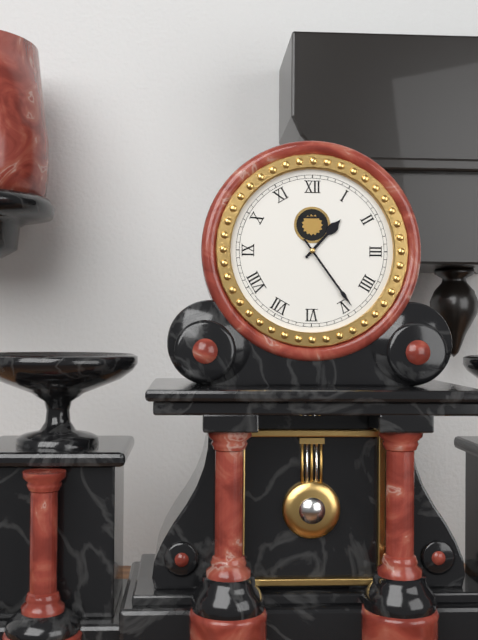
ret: **1:24**
